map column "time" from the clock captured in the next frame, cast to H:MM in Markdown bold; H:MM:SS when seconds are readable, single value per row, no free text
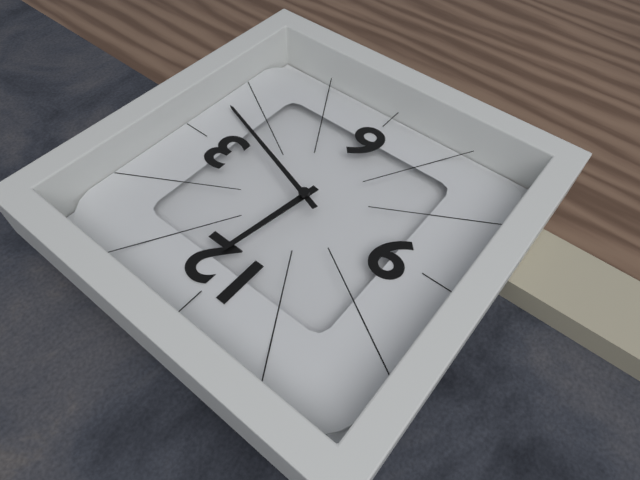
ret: **12:18**
